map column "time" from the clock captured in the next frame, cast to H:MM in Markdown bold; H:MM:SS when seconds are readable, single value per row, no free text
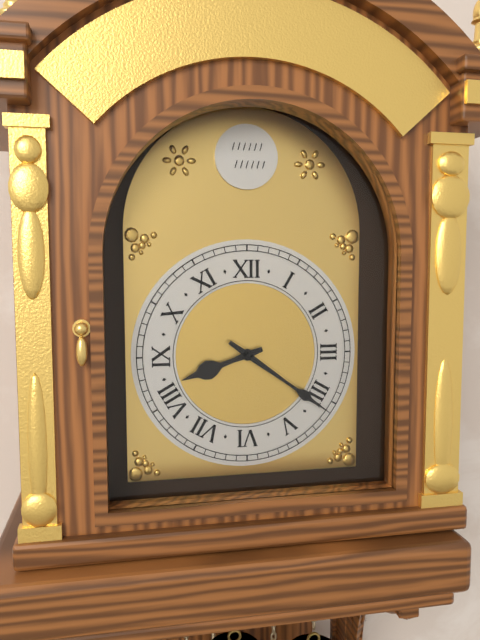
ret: **8:21**
